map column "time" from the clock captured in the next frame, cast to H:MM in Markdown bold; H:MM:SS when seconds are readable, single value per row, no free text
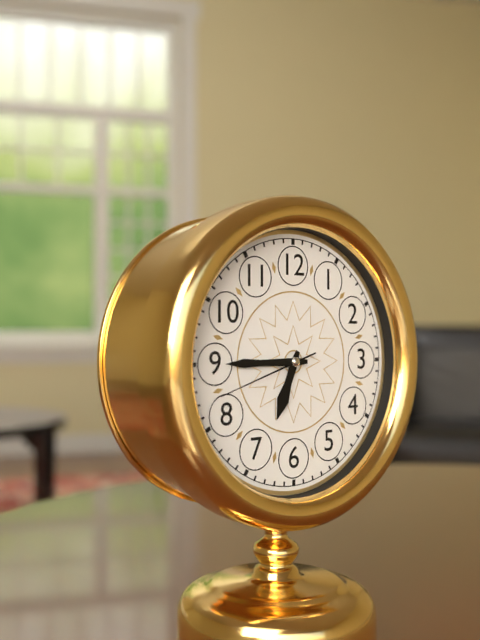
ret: **6:45:42**
